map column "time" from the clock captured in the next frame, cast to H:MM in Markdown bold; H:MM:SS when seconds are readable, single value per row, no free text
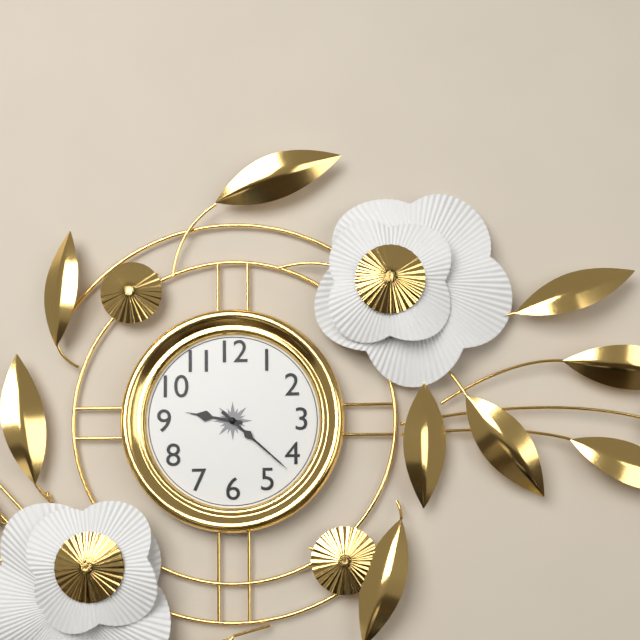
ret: **9:22**
